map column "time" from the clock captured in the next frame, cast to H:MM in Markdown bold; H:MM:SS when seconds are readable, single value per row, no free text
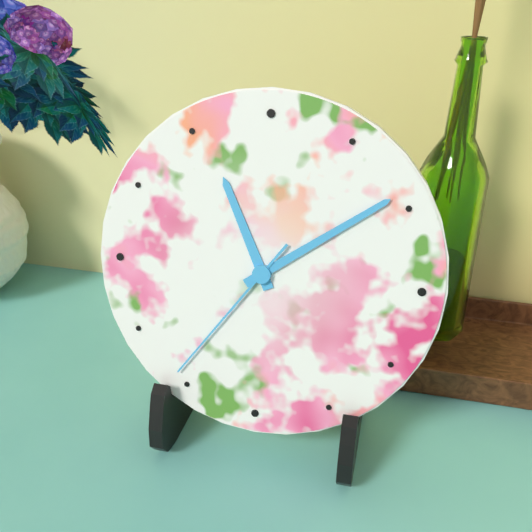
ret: **11:09:36**
